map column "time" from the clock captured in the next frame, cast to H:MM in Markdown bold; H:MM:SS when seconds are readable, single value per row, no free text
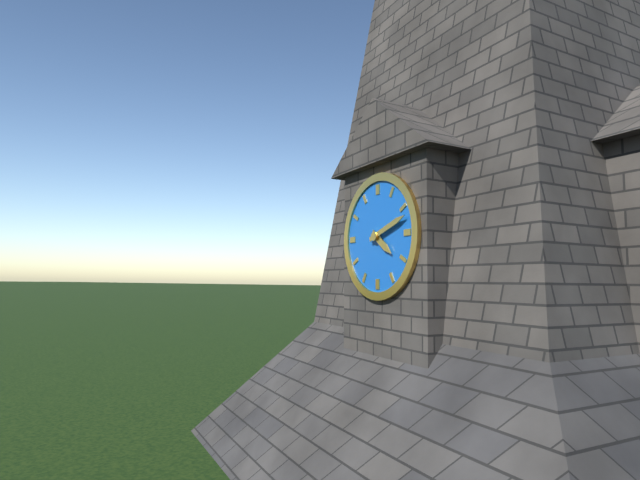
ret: **4:12**
